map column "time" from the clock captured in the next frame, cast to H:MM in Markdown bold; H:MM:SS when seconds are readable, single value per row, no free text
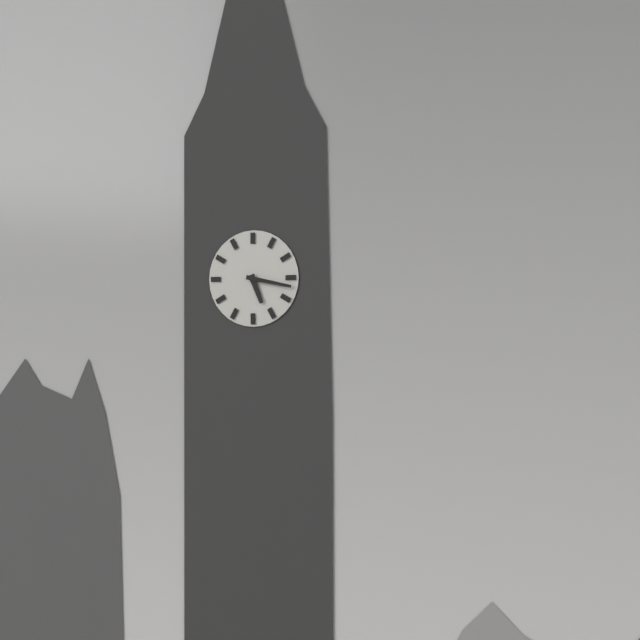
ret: **5:17**
